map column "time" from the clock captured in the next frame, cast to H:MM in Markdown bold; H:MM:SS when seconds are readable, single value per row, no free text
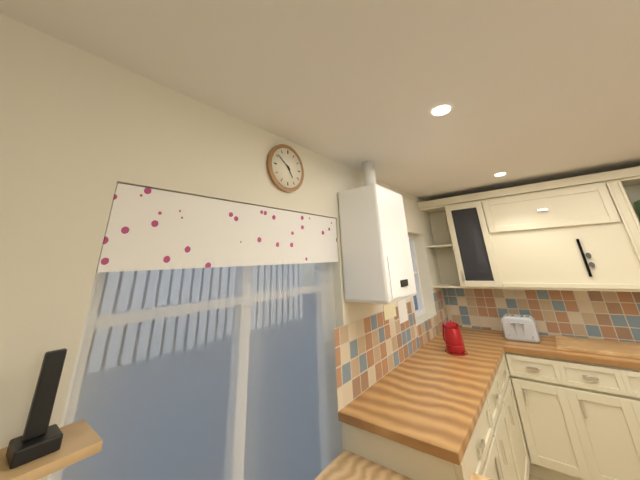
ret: **4:51**
